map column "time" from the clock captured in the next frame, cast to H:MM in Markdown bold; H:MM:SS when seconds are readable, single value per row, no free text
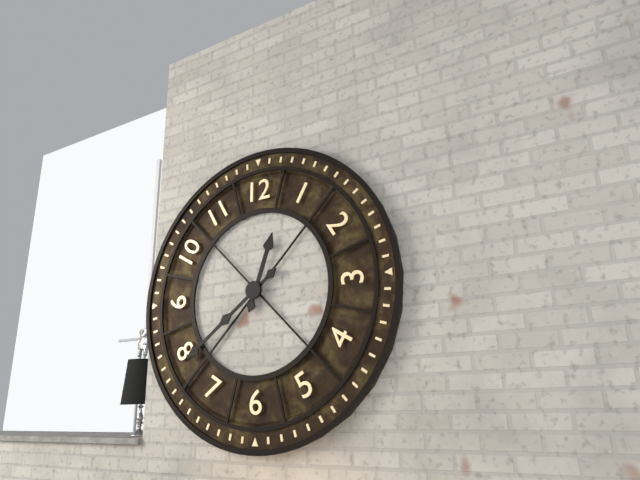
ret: **12:39**
